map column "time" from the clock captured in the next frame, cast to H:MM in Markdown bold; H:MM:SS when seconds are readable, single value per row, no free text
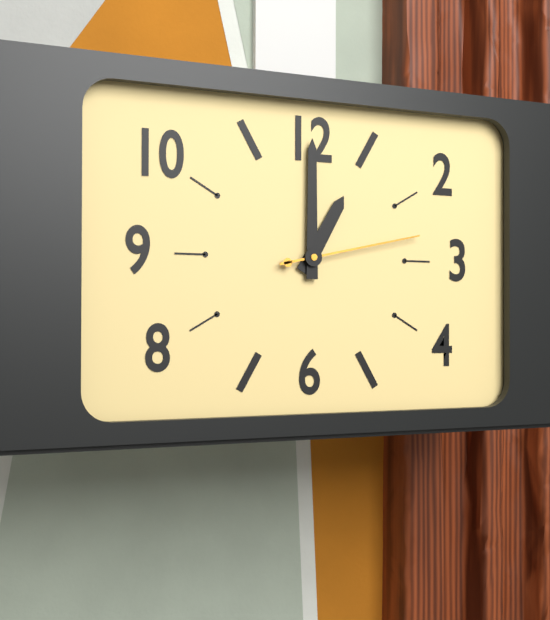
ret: **1:00:13**
